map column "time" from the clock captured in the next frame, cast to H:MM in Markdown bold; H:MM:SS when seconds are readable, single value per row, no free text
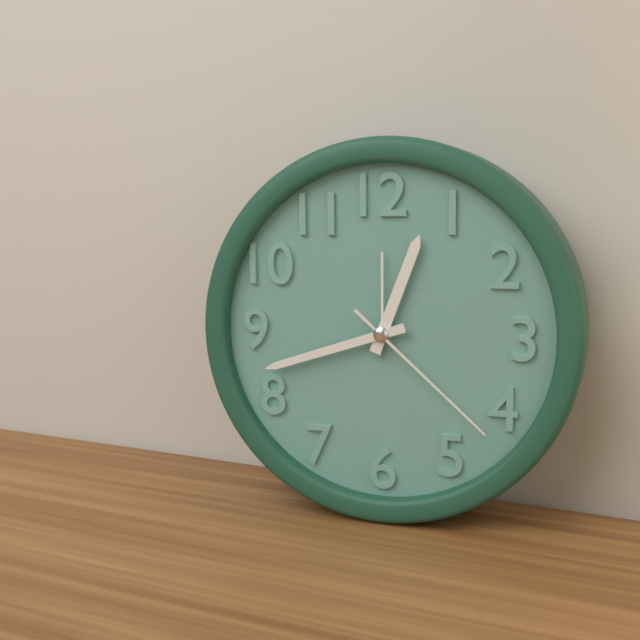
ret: **12:42:22**
